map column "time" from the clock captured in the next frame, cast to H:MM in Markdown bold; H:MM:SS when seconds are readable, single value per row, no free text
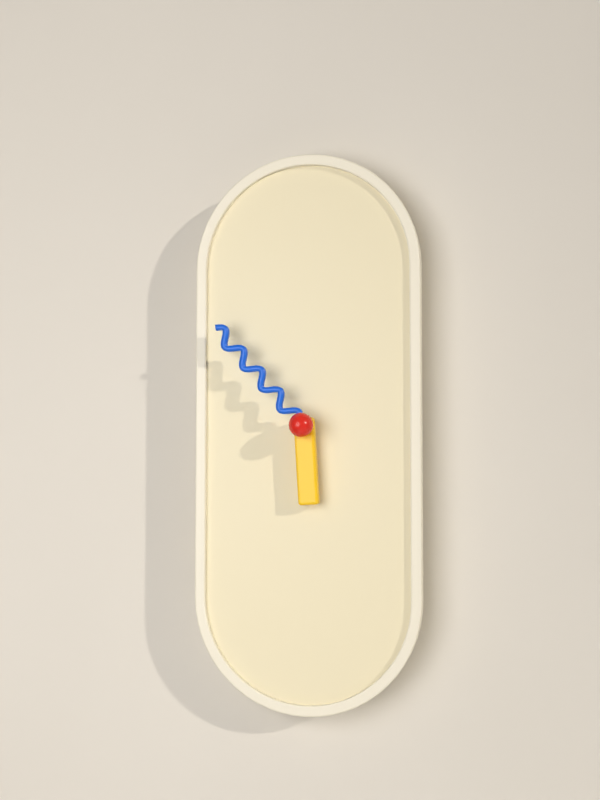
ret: **5:53**
